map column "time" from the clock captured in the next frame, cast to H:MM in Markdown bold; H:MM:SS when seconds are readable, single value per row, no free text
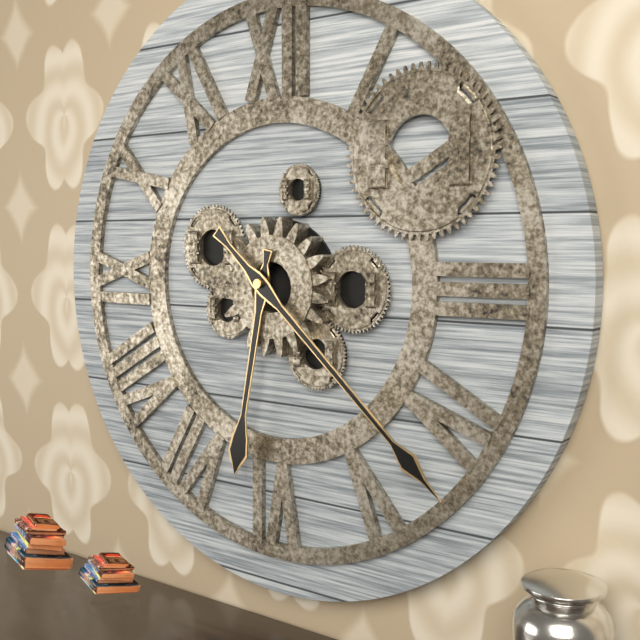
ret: **6:22**
